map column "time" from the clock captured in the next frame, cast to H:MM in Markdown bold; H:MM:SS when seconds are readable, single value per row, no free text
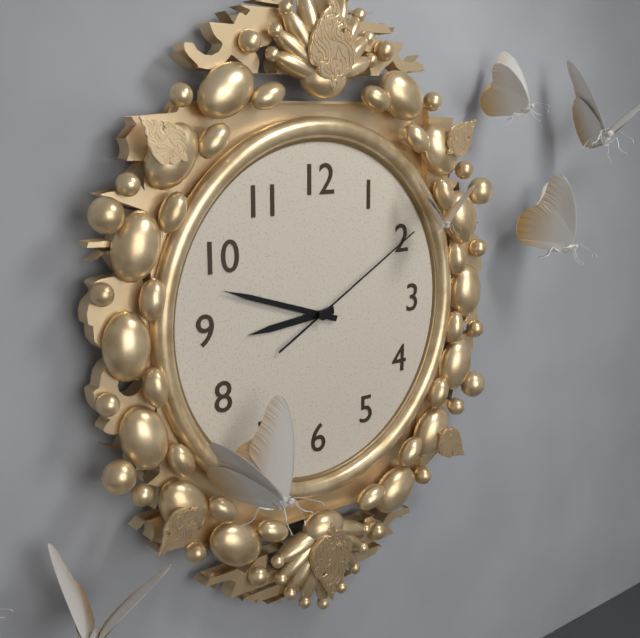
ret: **8:48:10**
